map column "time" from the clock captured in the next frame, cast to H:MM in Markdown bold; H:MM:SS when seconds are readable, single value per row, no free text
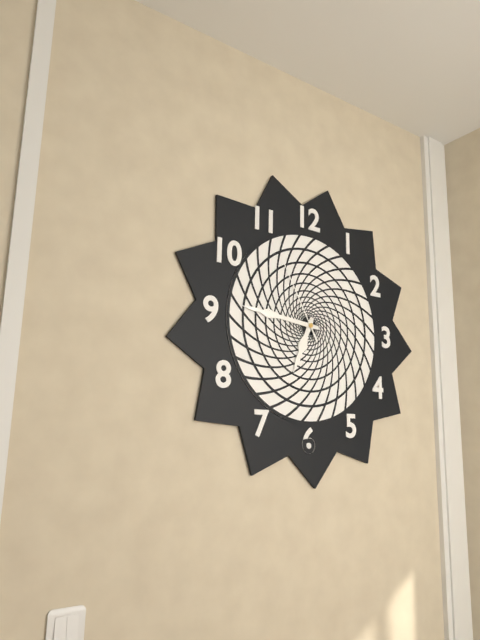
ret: **6:46:55**
